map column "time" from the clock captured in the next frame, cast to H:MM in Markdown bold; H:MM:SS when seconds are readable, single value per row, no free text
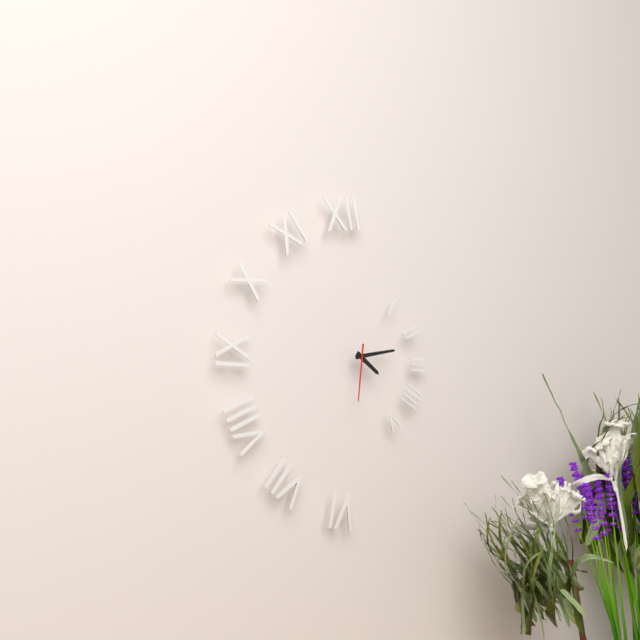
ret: **4:13:31**
